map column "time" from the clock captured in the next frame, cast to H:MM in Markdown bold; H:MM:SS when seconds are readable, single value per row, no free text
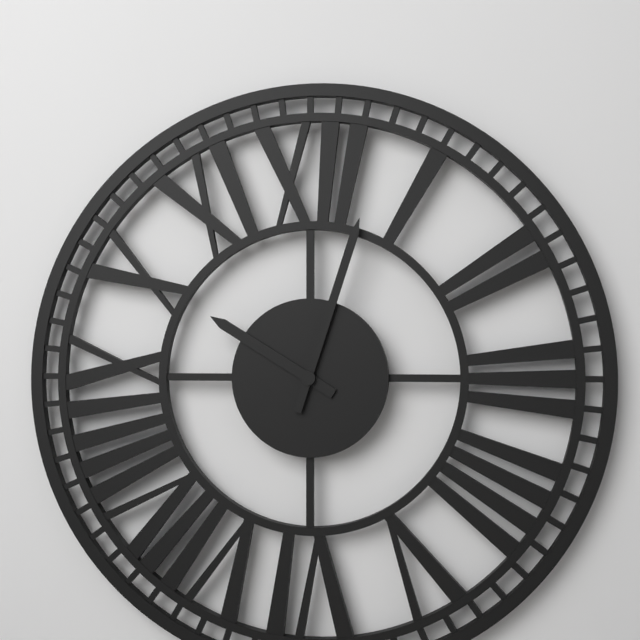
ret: **10:03**
